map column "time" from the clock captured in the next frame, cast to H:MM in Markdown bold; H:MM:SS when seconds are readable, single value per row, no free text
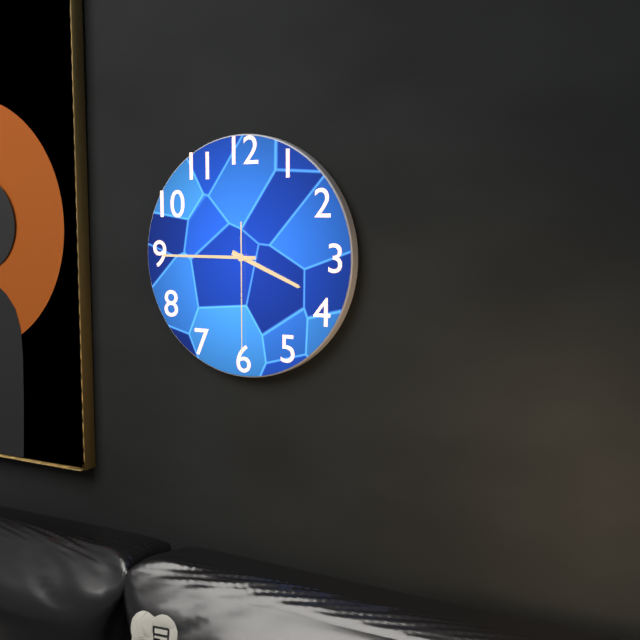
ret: **3:45:30**
